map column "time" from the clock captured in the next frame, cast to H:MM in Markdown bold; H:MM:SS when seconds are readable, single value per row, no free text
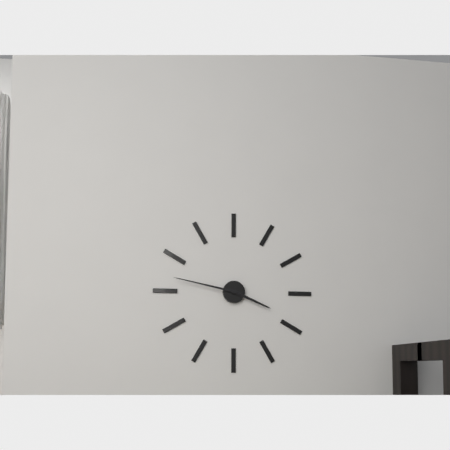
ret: **3:47**
